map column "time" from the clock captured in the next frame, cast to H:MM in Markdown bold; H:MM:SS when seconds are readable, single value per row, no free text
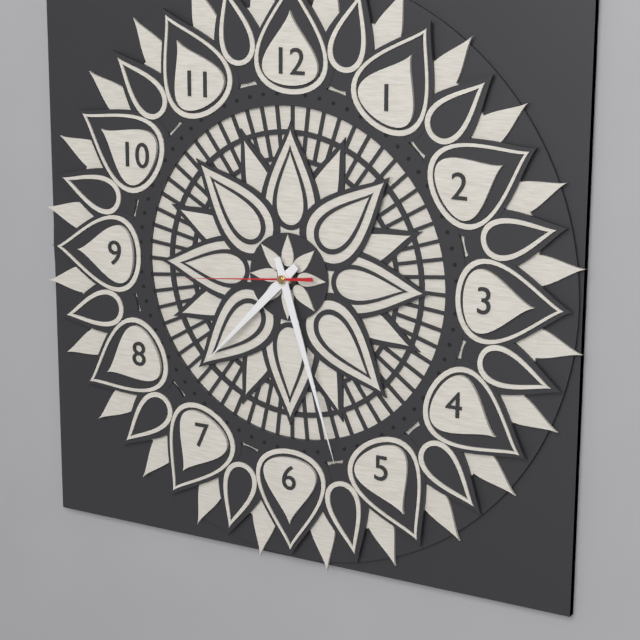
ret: **7:27:44**
